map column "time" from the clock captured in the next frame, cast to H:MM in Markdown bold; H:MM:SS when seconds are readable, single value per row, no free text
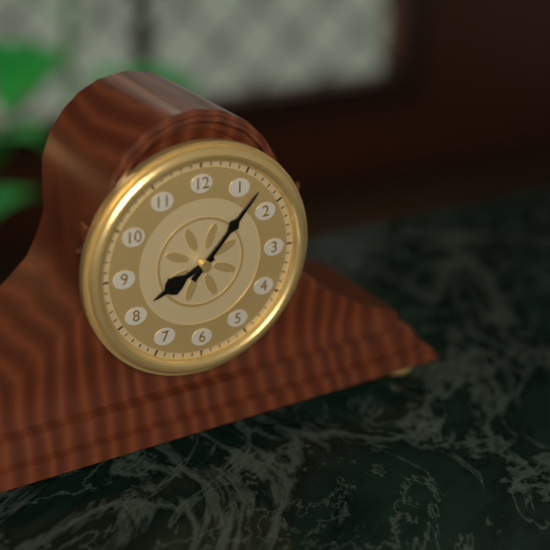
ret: **8:07**
